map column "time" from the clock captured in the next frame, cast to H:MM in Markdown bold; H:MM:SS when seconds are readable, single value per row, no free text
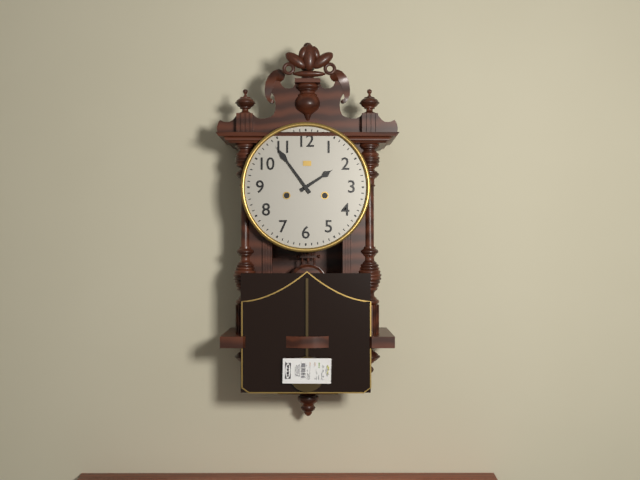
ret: **1:54**
